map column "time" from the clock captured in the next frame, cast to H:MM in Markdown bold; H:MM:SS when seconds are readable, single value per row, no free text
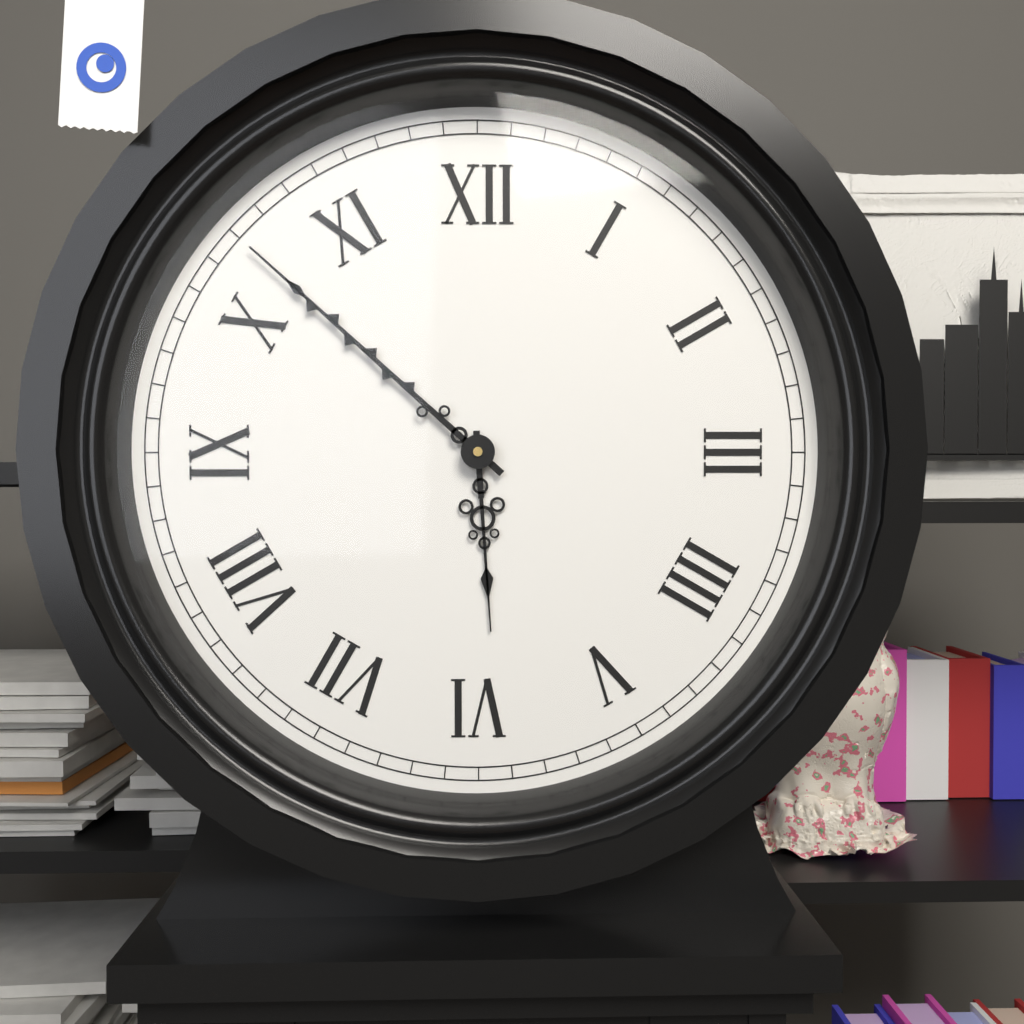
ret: **5:52**
